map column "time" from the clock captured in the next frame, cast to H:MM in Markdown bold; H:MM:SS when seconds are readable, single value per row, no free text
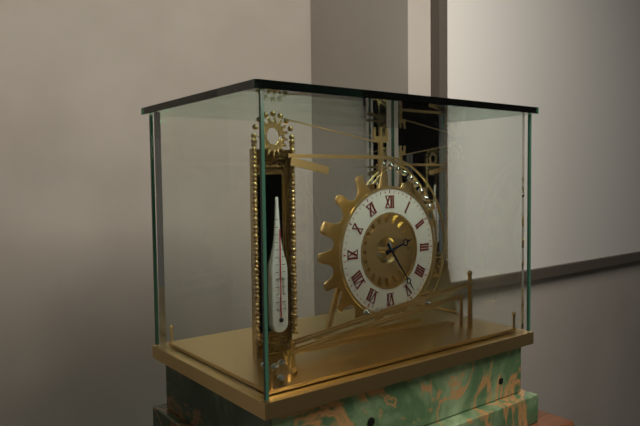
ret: **2:24**
